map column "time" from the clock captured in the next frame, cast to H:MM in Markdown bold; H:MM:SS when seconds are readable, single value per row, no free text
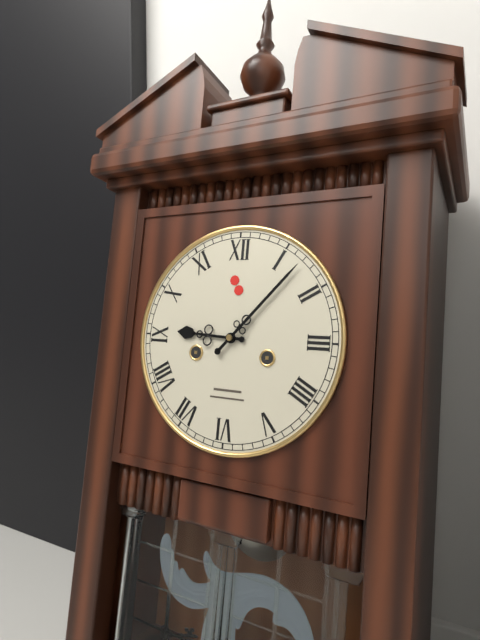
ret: **9:07**
